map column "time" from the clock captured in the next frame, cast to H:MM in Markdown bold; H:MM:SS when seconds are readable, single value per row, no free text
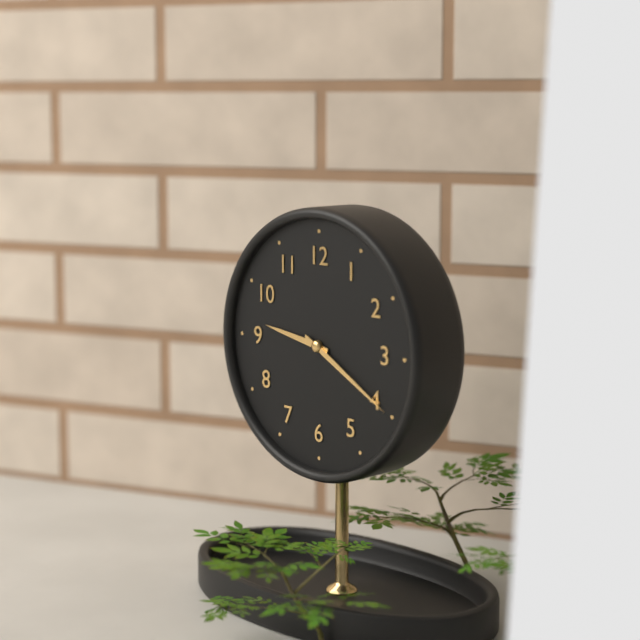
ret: **9:20**
